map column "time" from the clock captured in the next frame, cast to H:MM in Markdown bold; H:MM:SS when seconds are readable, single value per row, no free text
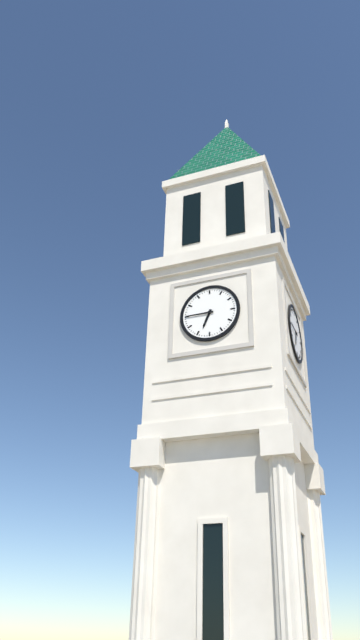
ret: **6:45**
